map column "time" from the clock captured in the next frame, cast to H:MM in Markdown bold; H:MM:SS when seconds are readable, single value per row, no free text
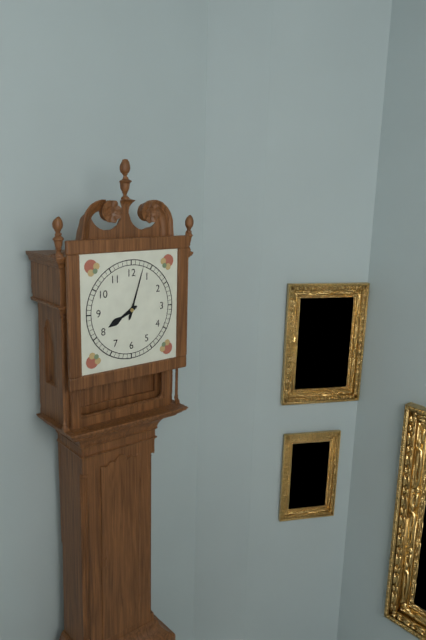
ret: **8:03**
